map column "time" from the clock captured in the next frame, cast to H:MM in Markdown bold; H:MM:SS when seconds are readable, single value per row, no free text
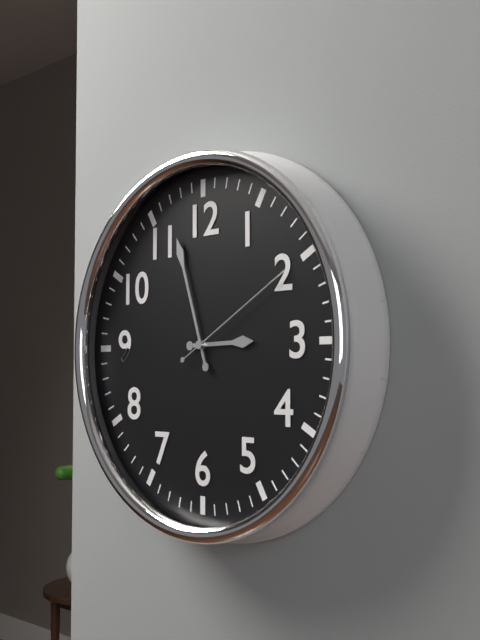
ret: **2:57:10**
